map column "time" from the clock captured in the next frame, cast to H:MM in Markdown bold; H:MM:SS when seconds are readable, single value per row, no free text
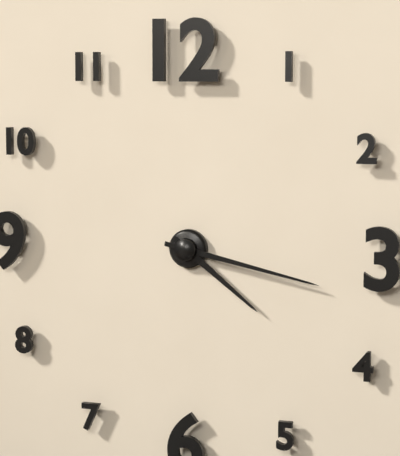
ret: **4:17**
